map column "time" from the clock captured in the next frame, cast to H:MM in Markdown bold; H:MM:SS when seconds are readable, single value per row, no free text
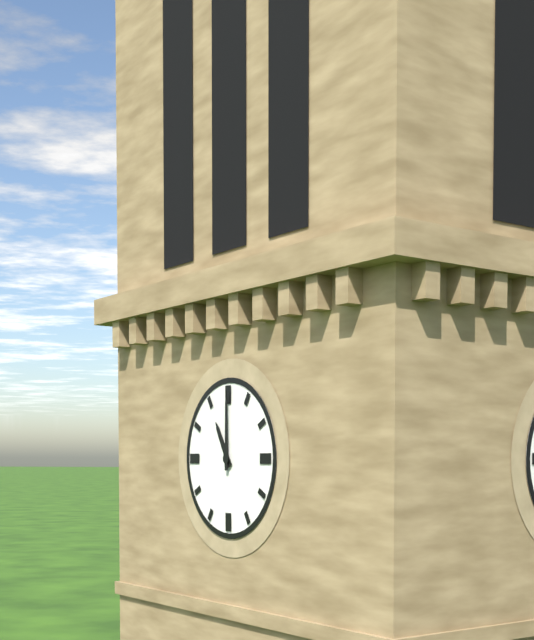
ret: **11:00**
